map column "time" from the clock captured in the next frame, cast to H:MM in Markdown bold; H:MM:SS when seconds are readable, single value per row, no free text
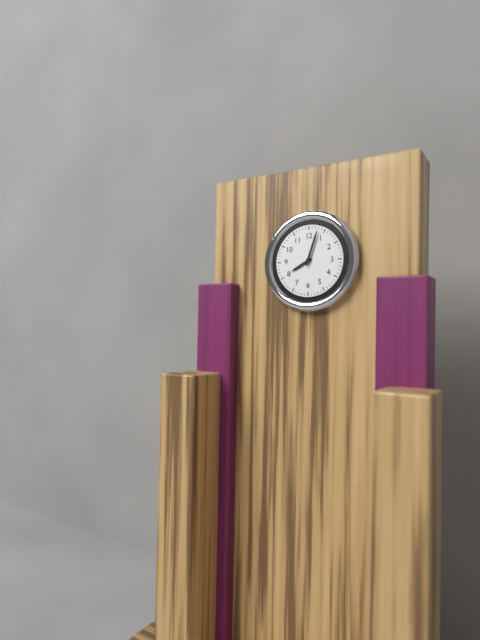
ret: **8:03**
